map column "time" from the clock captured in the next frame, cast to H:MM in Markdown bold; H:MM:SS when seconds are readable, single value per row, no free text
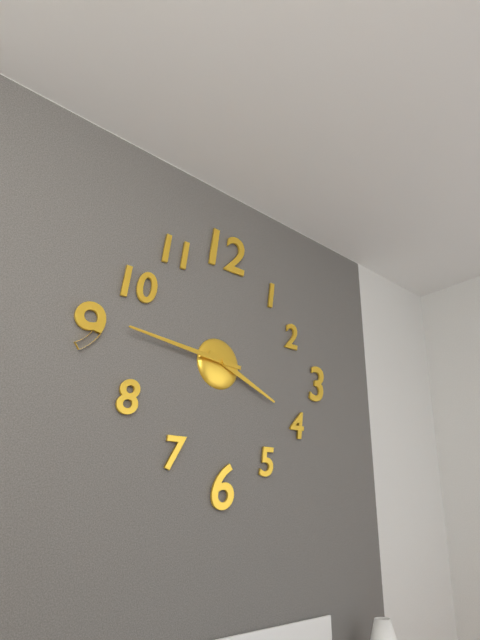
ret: **3:46**
